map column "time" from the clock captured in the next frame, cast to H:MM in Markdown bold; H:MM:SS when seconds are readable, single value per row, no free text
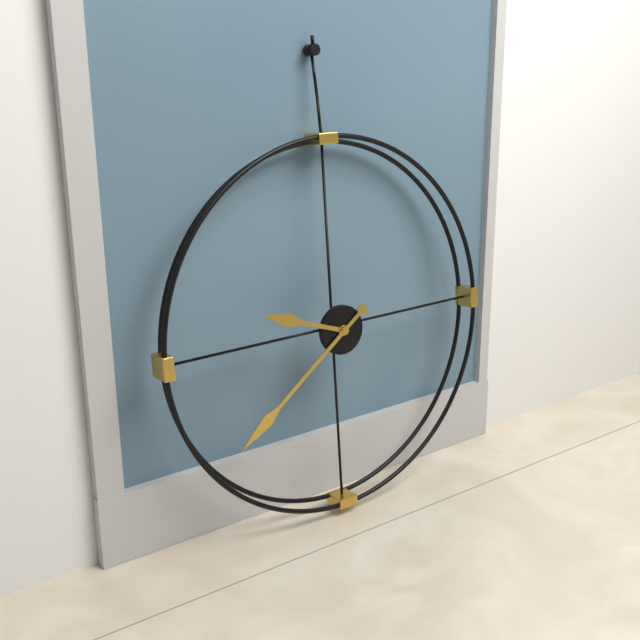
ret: **9:39**
